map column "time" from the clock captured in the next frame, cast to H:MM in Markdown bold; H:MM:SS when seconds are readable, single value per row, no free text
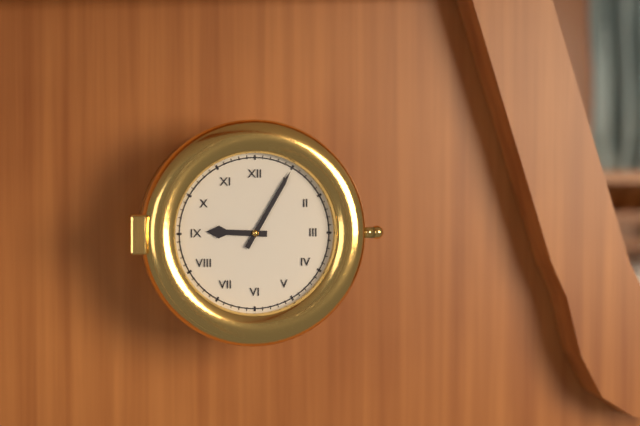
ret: **9:05**
